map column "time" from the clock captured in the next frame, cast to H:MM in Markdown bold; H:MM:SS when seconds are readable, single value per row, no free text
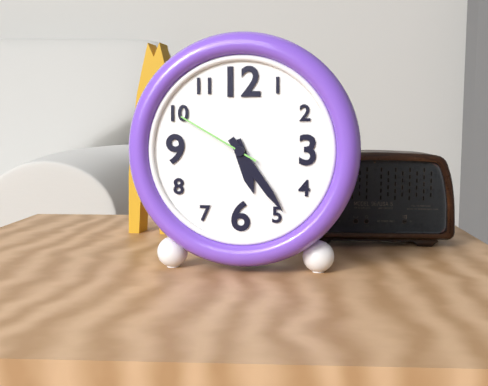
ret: **5:24:50**
